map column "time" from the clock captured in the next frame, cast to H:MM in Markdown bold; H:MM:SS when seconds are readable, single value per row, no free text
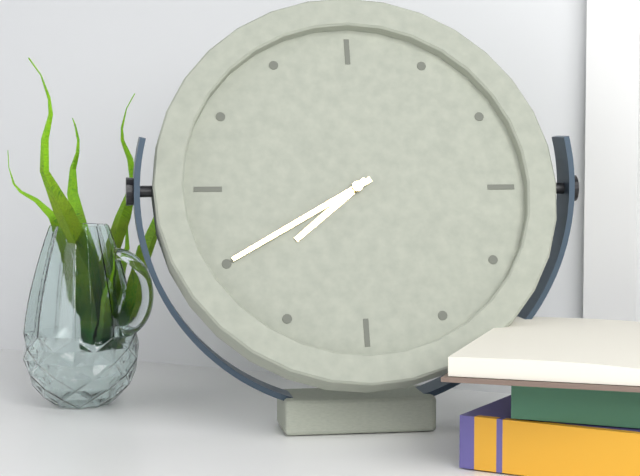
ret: **7:40**
